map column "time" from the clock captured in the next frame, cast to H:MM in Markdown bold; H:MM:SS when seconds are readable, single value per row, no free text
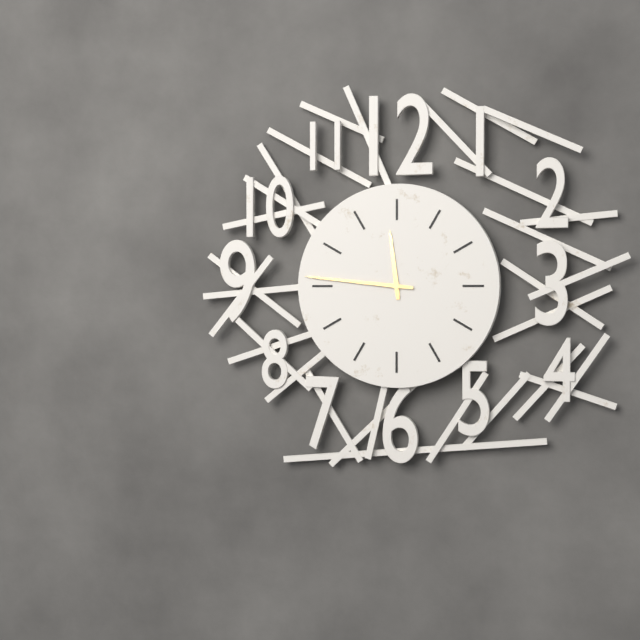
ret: **11:46**
